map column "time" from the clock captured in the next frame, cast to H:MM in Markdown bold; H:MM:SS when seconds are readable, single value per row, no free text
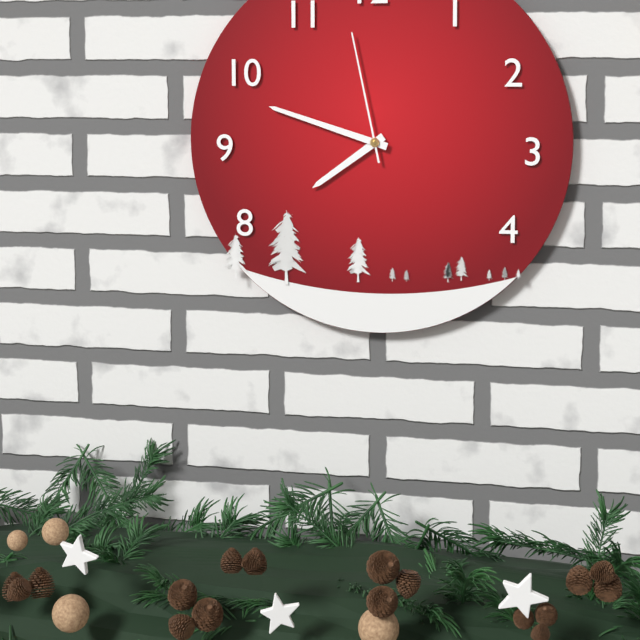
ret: **7:48:58**
